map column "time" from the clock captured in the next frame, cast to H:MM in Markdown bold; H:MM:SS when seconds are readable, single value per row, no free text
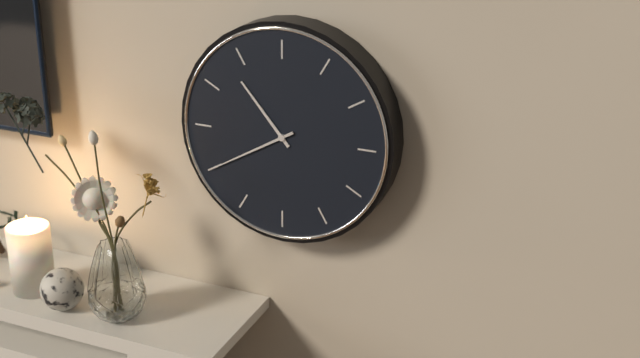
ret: **10:40**
